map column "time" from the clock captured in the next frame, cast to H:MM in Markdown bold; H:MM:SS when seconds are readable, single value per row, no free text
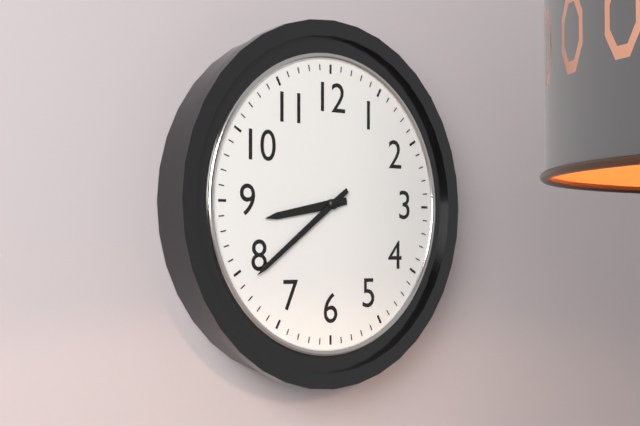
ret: **8:39**
